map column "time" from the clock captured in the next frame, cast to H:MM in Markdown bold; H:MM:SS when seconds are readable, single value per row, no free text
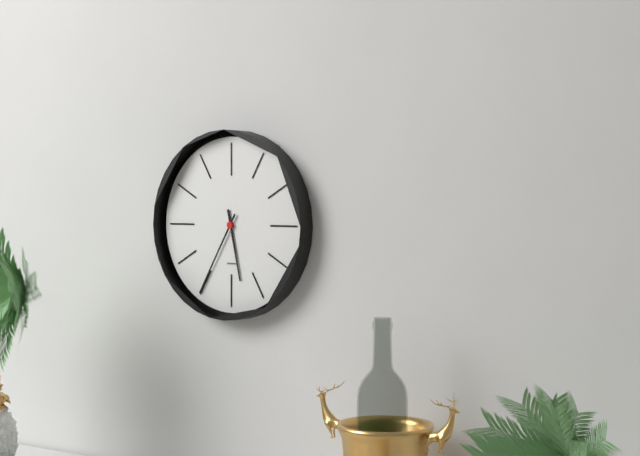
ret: **5:35**
